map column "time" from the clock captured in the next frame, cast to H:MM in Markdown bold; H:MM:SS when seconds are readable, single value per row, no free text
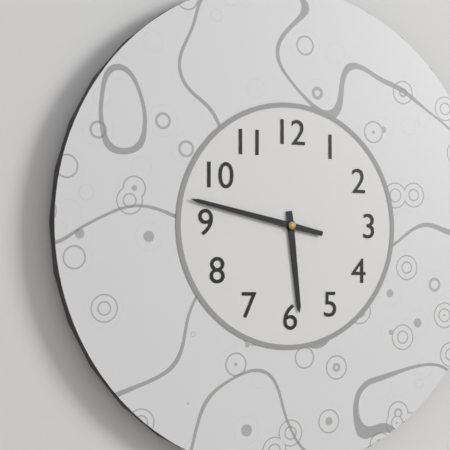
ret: **5:47**
